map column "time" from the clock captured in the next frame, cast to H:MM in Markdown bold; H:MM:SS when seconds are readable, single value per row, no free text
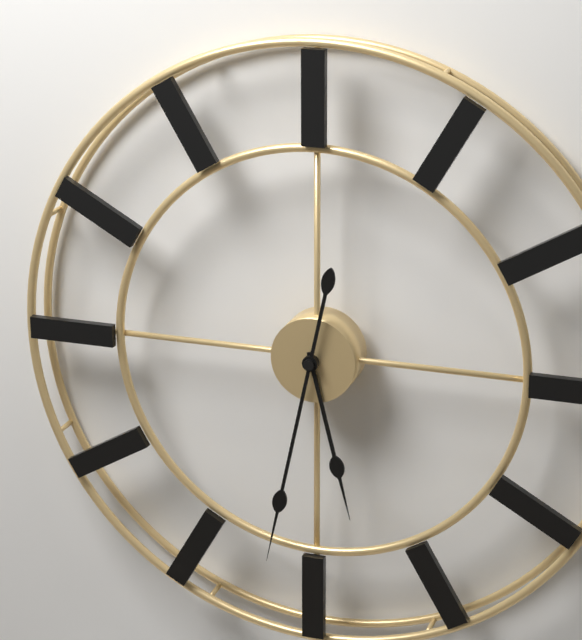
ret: **5:32**
